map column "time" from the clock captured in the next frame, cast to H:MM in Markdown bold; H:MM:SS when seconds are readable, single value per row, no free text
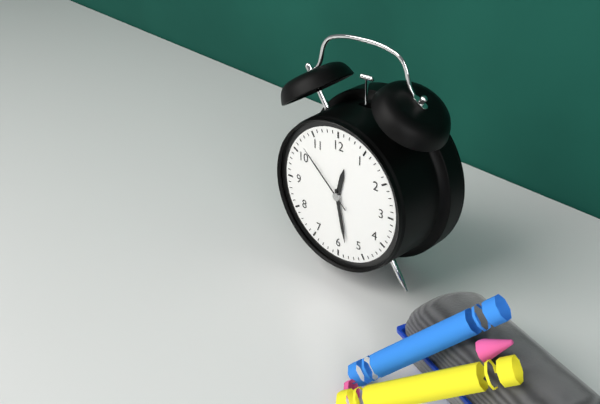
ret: **12:28:52**
